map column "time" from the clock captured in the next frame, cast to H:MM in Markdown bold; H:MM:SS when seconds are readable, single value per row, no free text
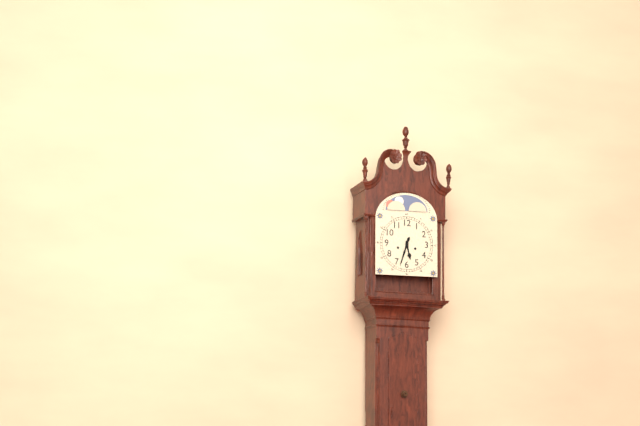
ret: **5:33**
